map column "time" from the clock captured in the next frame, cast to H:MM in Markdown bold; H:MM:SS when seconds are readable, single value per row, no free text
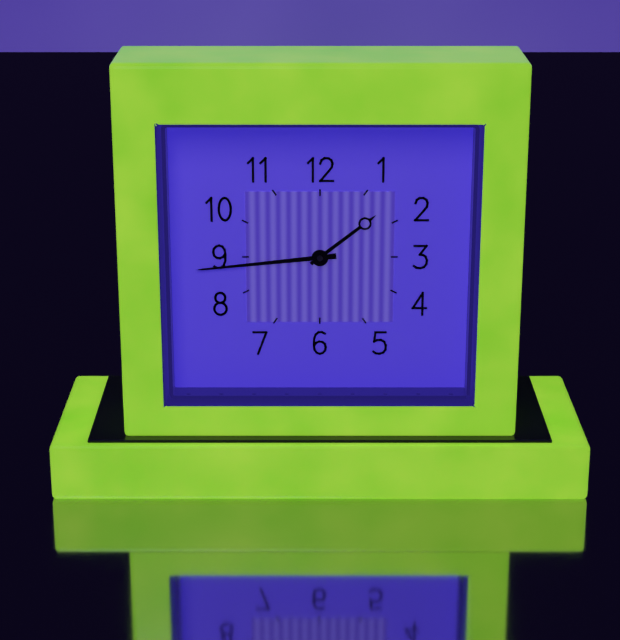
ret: **1:44**
